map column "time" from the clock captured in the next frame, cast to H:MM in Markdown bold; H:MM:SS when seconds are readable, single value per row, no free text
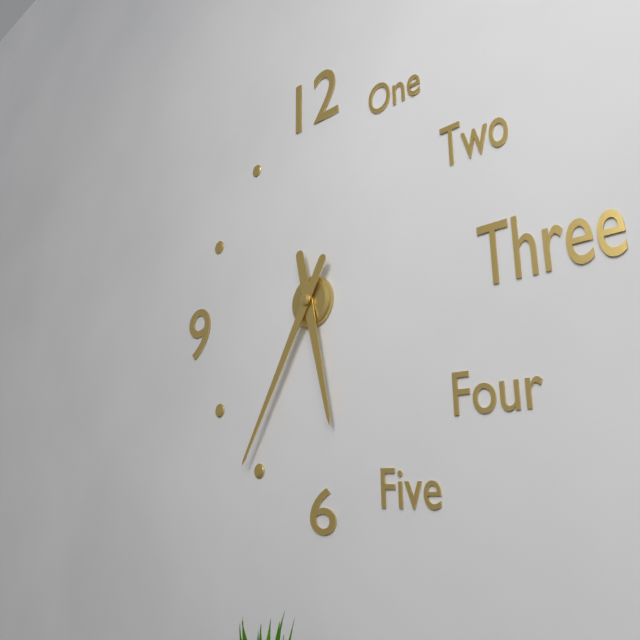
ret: **5:35**
